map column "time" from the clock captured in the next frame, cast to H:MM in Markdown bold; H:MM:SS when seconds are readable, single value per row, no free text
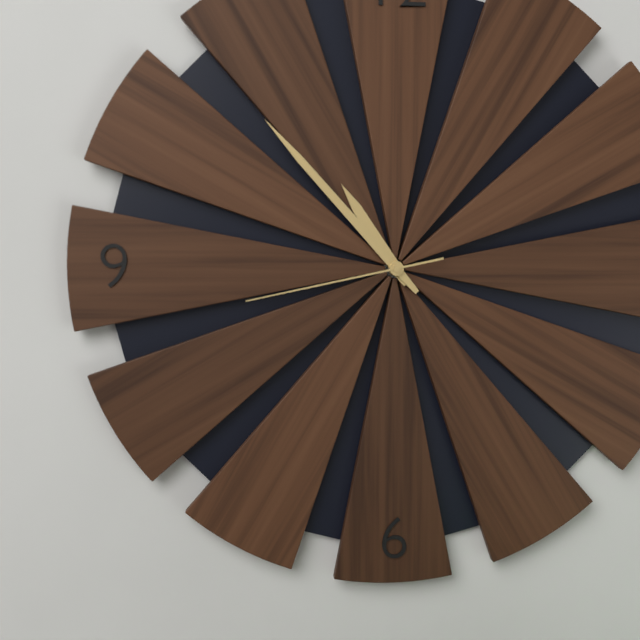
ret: **10:53:43**
